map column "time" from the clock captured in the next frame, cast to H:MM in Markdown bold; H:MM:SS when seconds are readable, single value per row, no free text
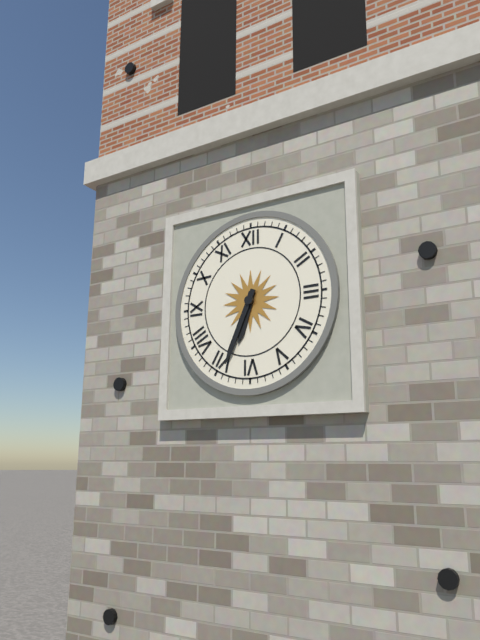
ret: **6:34**
